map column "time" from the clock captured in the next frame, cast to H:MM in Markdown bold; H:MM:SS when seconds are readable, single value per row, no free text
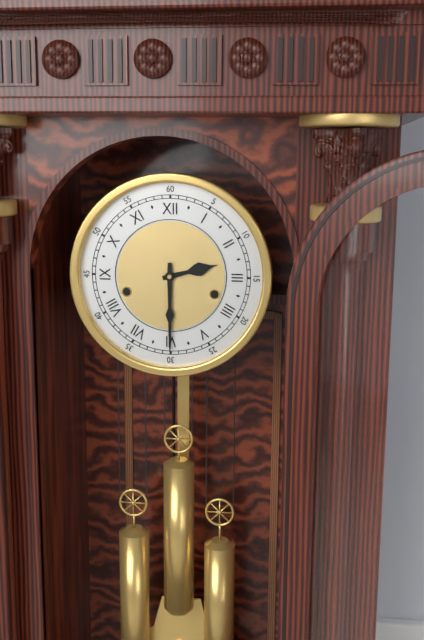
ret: **2:30**
